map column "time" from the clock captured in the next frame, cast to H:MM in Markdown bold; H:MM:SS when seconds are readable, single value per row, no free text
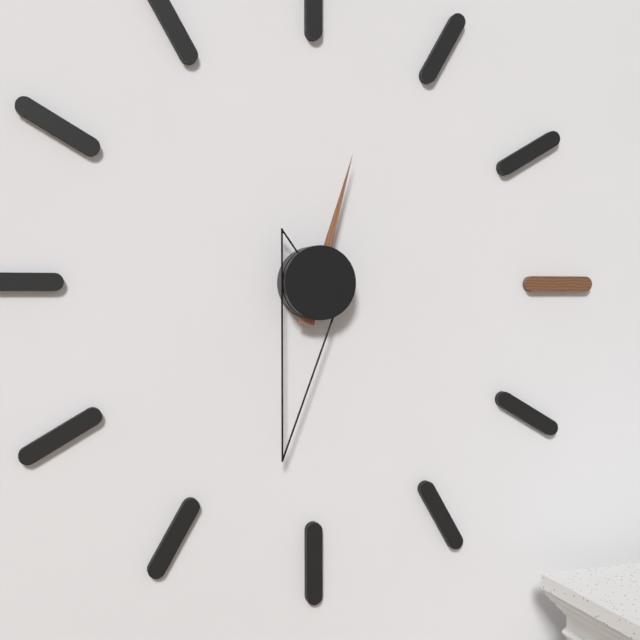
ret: **12:32**
